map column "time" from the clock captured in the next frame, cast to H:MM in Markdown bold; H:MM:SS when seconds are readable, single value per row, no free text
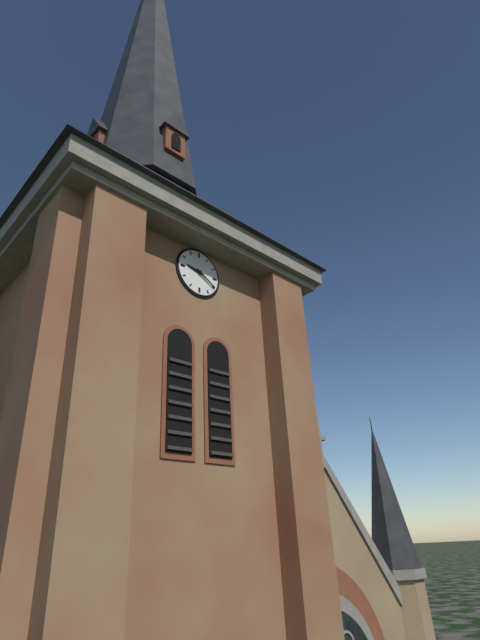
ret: **9:20**
